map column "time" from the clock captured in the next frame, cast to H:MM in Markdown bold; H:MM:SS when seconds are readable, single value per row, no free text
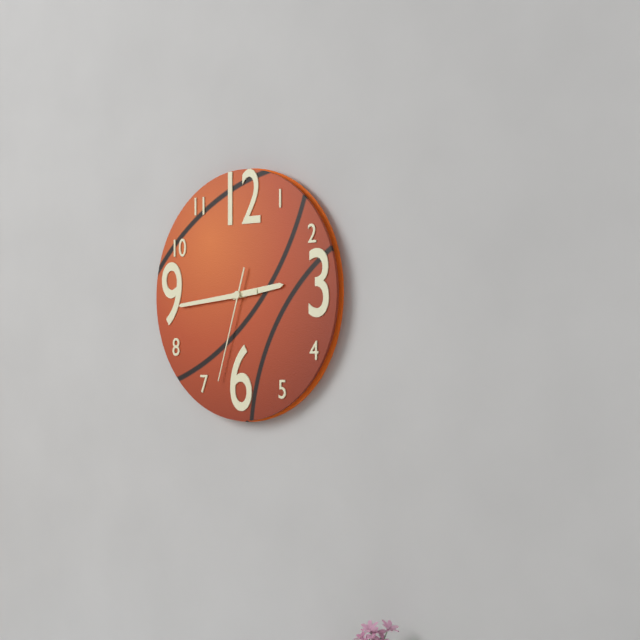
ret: **2:44:33**
